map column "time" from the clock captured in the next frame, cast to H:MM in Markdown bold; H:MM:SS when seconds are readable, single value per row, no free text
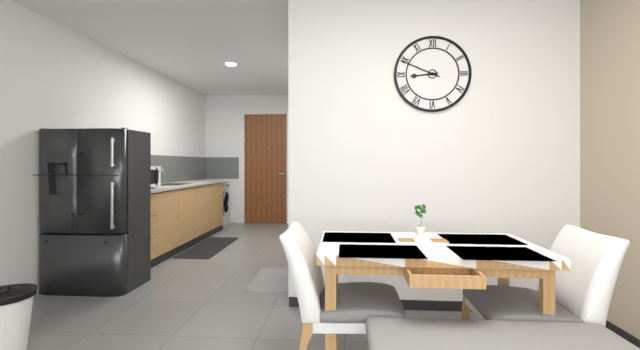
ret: **8:49**
